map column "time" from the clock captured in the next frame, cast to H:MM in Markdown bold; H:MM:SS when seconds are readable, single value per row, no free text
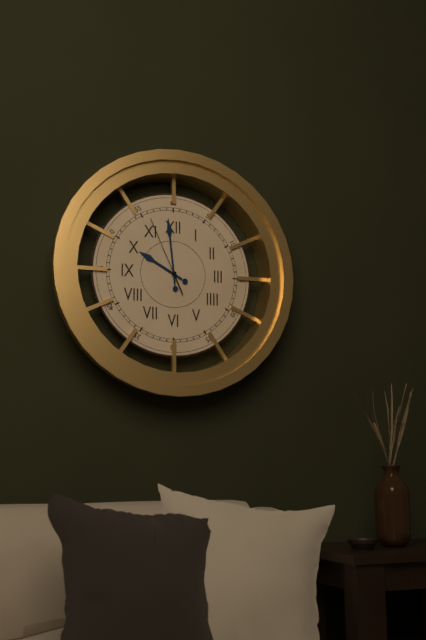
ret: **9:59:56**
